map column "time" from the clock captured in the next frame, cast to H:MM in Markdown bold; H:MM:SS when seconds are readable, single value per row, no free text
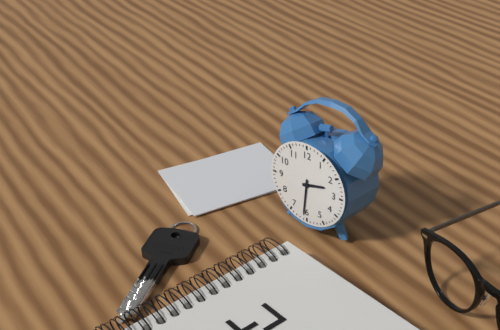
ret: **2:31**
